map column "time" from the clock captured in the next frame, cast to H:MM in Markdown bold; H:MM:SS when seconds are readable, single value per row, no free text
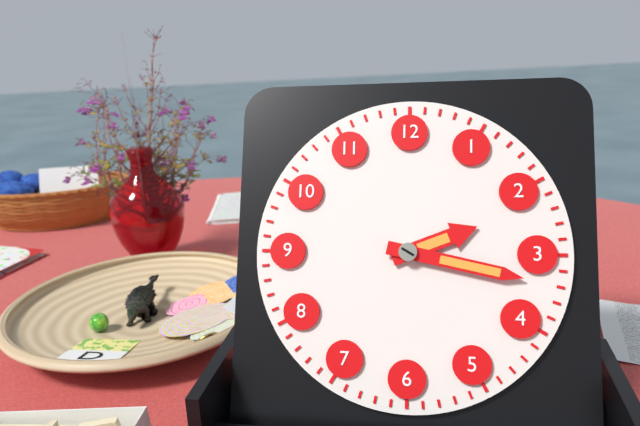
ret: **2:17**
